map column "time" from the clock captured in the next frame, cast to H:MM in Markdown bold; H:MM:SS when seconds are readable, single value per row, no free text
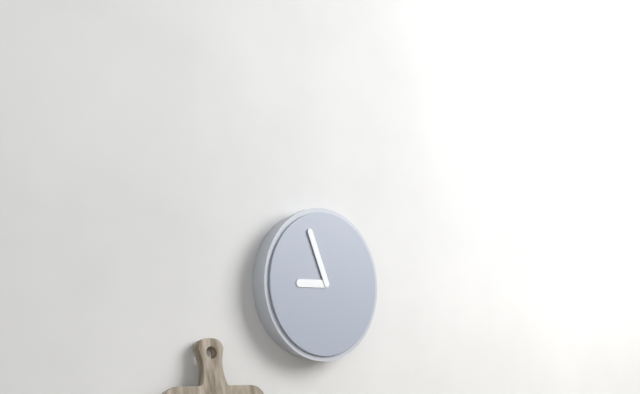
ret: **8:56**
